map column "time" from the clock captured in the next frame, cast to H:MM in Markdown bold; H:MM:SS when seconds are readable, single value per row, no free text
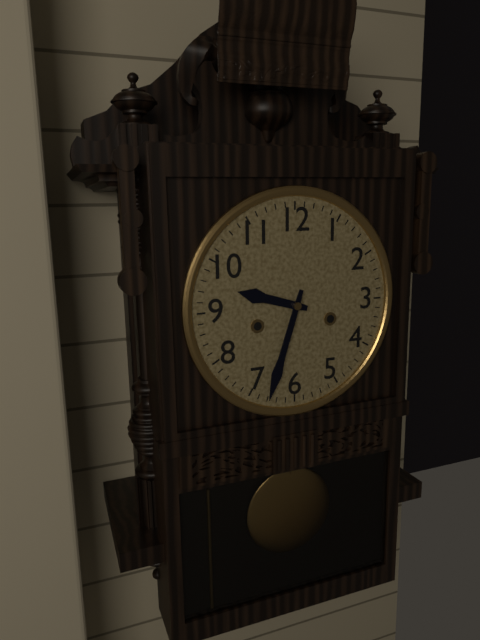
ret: **9:33**
